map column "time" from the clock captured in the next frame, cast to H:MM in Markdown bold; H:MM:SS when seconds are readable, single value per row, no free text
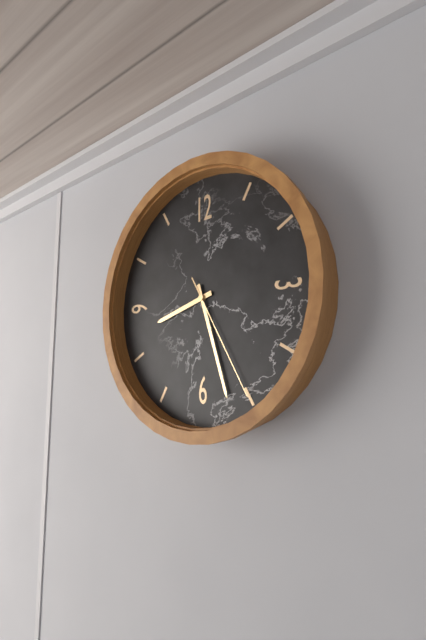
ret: **8:27:25**
